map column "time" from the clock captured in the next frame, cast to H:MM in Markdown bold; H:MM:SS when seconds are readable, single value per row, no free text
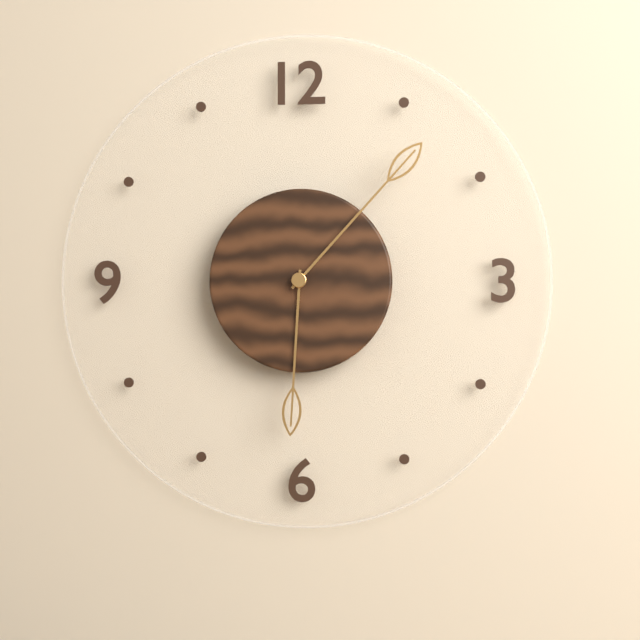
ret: **6:07**
